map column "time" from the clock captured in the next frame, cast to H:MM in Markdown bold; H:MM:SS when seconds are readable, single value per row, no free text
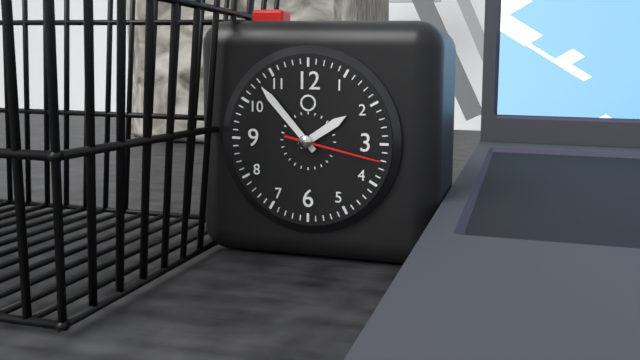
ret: **1:53:17**
